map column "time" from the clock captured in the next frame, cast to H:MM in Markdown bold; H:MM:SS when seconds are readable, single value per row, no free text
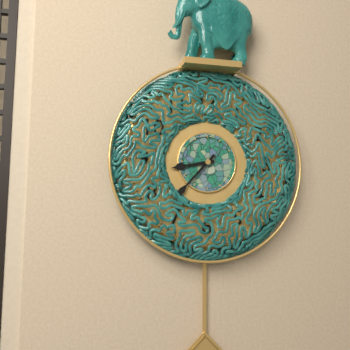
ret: **8:37**
